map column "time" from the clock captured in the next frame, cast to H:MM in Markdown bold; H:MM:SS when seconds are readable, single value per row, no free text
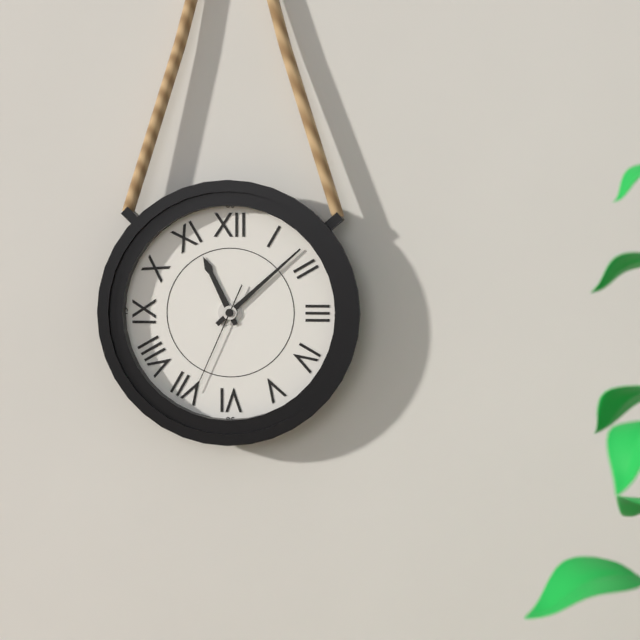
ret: **11:08:34**
